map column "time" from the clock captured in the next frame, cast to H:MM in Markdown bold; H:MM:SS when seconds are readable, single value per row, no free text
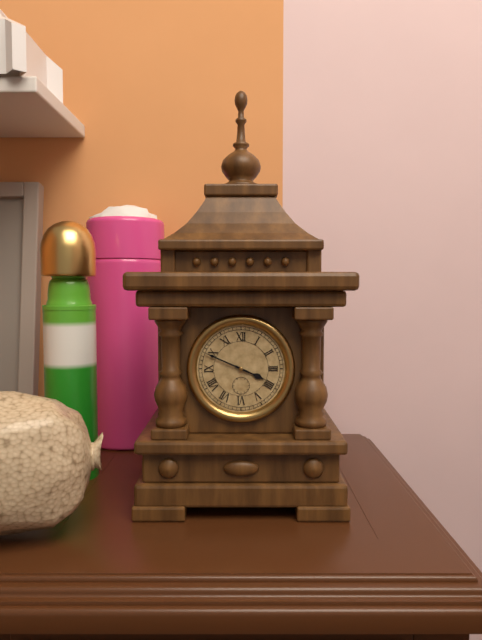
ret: **3:49**
